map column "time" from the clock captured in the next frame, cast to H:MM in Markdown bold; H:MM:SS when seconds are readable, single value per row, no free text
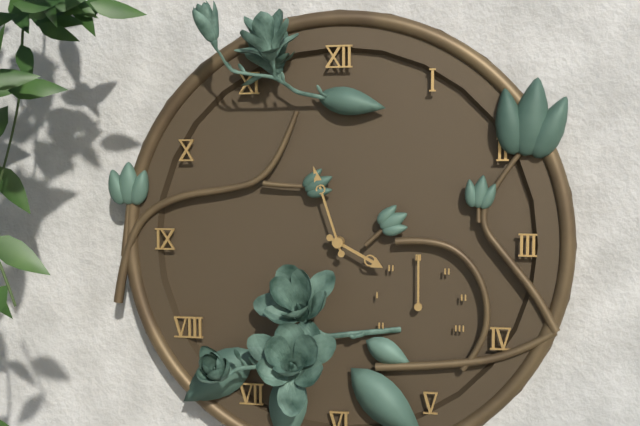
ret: **3:57**
